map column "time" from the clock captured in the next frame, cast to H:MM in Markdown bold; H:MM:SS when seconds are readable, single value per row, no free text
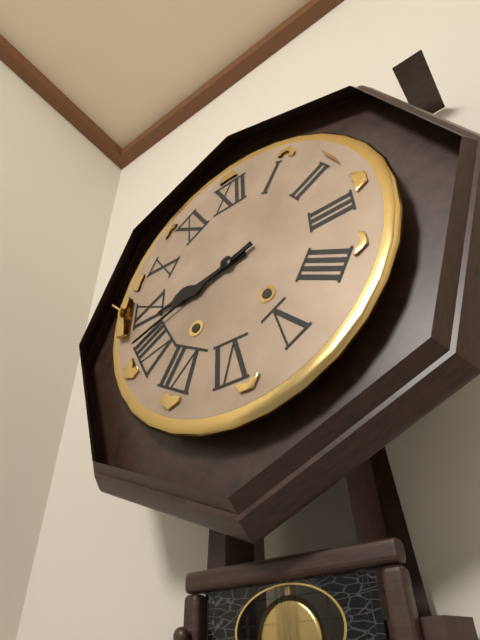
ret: **8:42**
